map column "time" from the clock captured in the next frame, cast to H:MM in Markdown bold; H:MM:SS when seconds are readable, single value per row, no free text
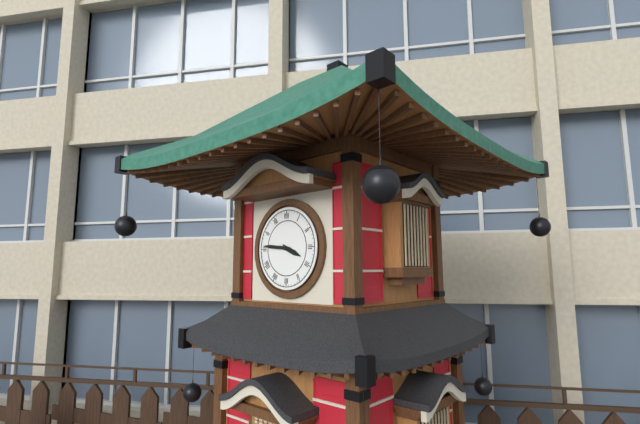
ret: **3:46**
